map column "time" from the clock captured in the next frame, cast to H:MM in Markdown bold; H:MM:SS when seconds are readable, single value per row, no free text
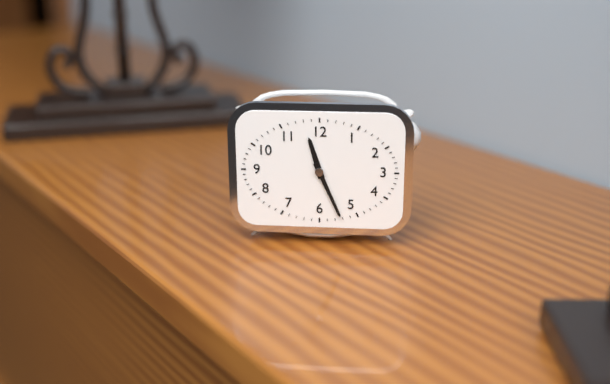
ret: **11:26**
